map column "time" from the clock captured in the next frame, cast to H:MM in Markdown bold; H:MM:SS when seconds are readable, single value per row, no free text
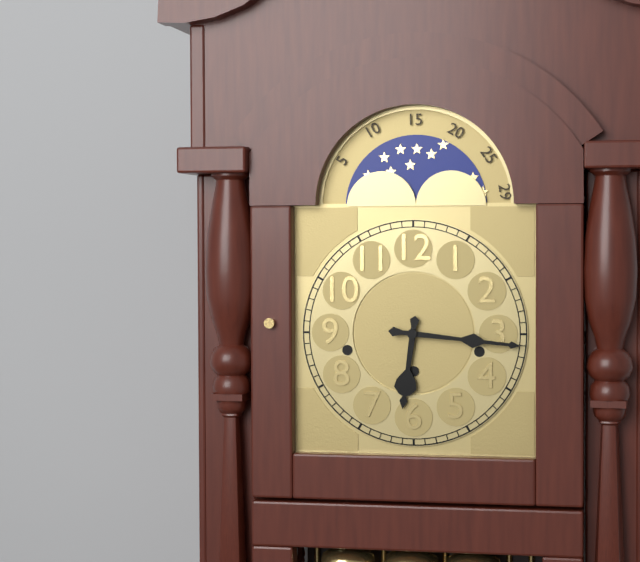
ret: **6:16**
